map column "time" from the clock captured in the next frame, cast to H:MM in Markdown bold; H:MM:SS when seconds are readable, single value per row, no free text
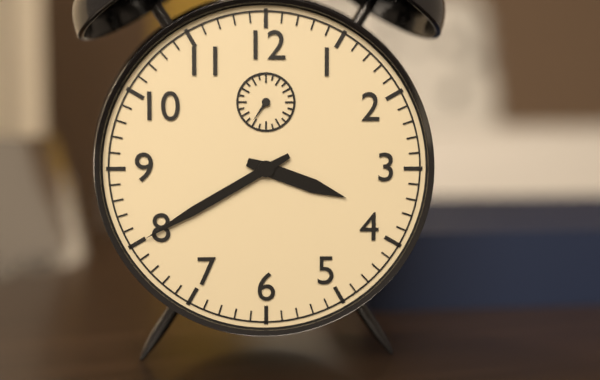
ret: **3:40**
